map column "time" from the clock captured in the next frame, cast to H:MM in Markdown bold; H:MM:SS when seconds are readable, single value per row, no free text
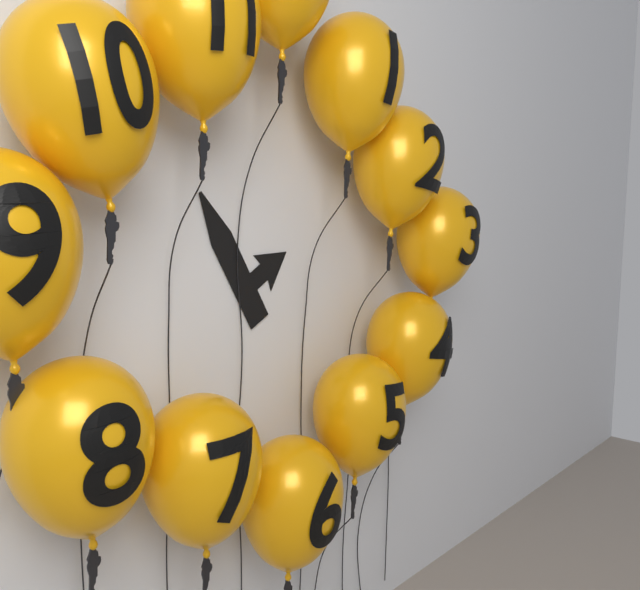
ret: **1:55**
